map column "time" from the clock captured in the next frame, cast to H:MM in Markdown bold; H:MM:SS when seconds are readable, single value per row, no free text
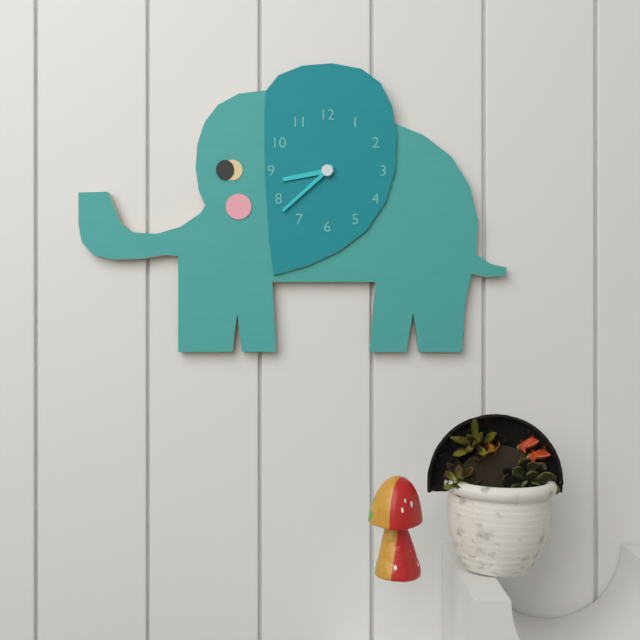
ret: **8:38**
